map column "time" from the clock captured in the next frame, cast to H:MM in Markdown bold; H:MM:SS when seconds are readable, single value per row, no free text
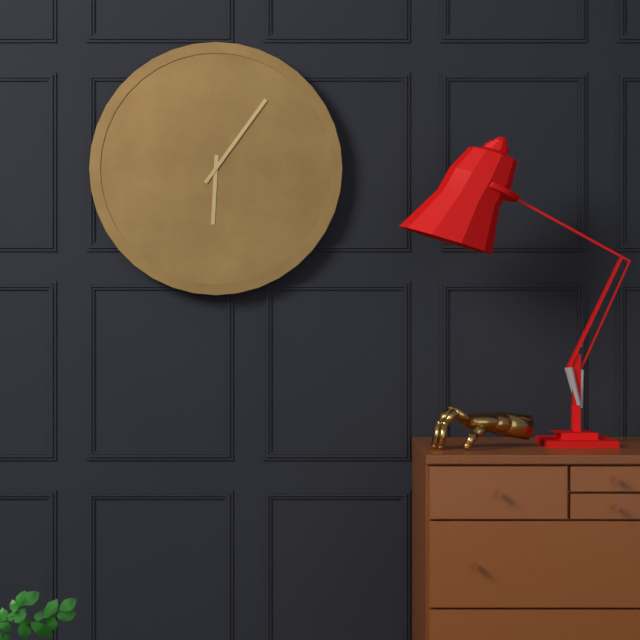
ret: **6:06**
